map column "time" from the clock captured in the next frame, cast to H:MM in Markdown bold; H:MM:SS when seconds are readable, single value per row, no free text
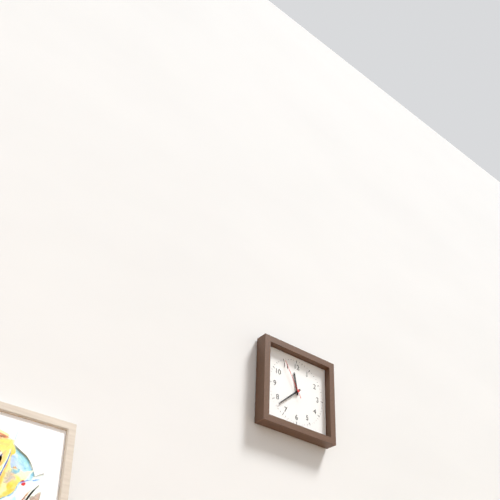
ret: **11:38**
